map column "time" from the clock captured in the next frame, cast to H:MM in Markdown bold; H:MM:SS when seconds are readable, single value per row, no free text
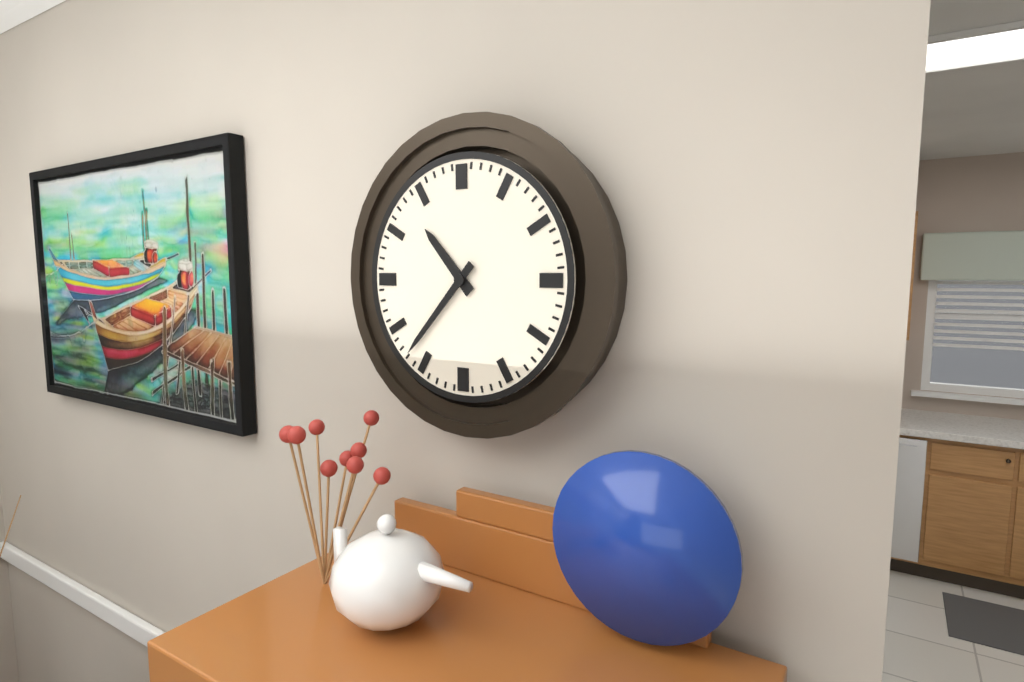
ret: **10:37**
